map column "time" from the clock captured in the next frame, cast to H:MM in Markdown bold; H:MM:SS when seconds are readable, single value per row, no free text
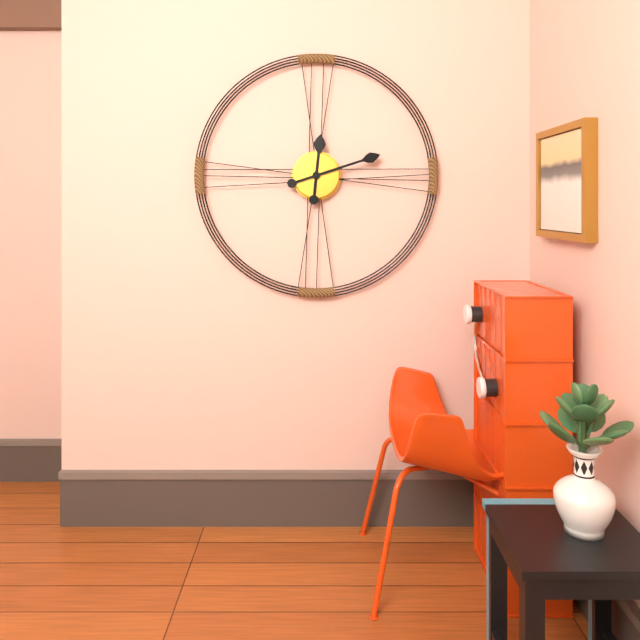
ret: **12:12**
